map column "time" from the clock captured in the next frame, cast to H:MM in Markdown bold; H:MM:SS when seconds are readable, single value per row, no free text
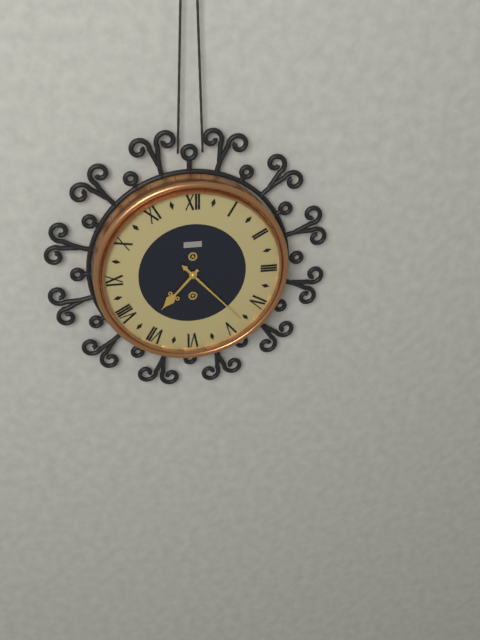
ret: **7:23**
